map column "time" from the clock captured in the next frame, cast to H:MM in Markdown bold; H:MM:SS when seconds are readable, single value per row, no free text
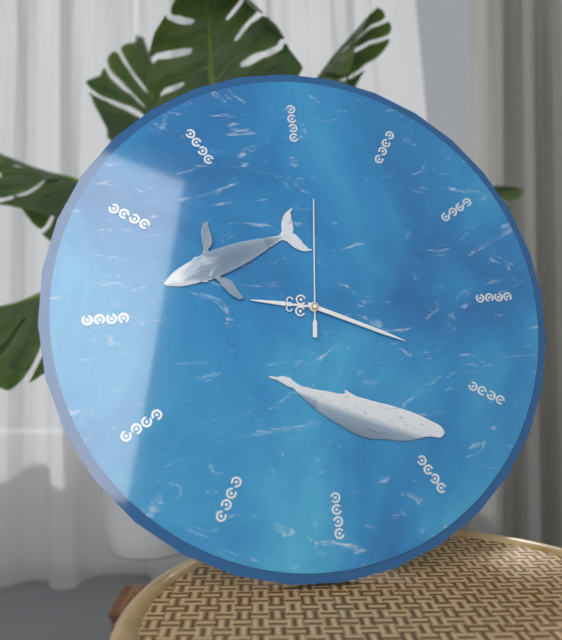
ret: **9:19:01**
